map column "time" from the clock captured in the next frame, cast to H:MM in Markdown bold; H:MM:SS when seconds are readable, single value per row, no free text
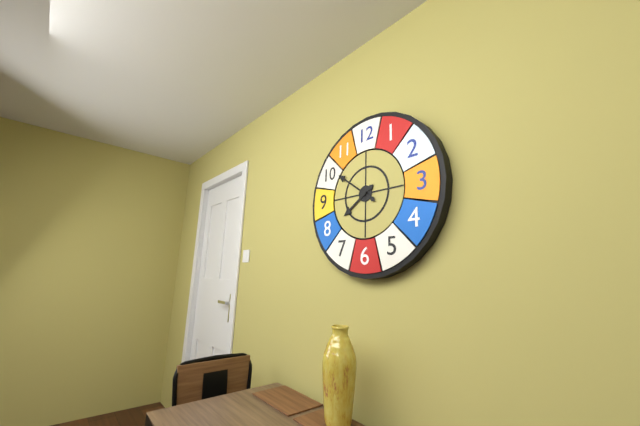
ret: **7:51**
